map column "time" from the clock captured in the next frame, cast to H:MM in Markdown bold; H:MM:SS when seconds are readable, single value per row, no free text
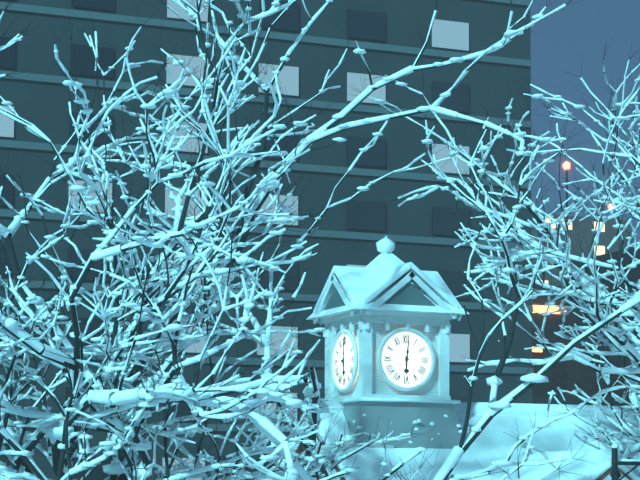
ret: **6:01**
